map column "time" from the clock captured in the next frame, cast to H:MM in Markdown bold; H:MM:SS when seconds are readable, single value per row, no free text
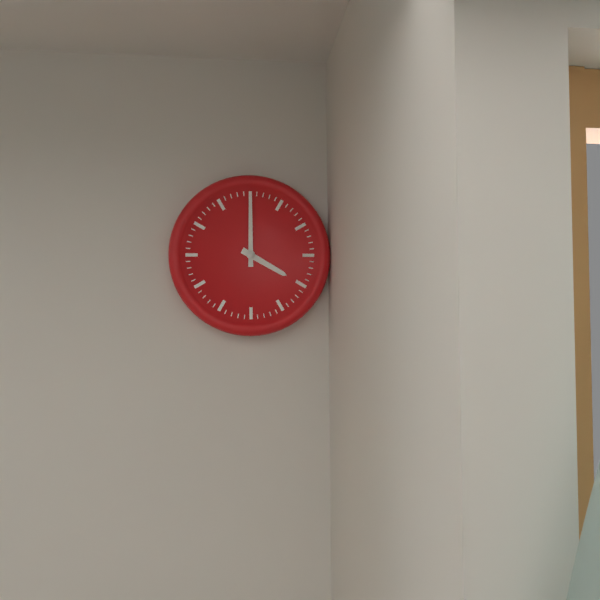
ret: **4:00**
